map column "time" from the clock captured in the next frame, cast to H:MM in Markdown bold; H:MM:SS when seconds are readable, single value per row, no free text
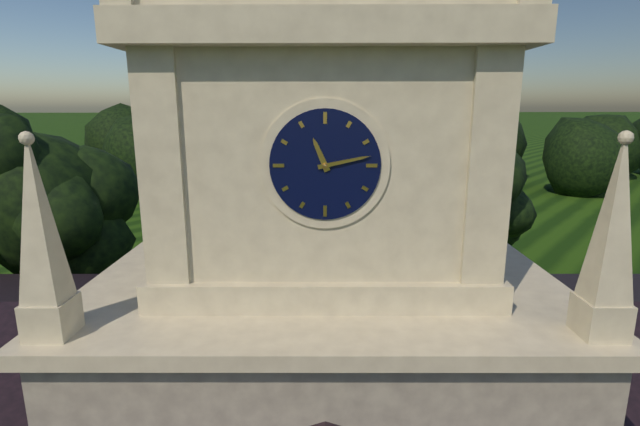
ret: **11:13**
